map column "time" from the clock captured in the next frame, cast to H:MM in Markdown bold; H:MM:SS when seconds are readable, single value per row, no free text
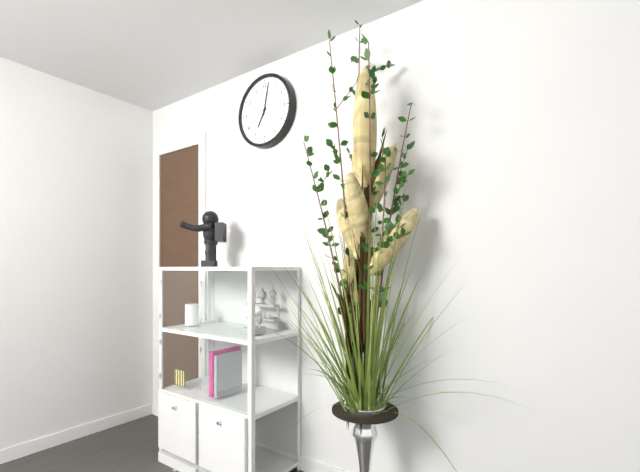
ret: **7:02**
